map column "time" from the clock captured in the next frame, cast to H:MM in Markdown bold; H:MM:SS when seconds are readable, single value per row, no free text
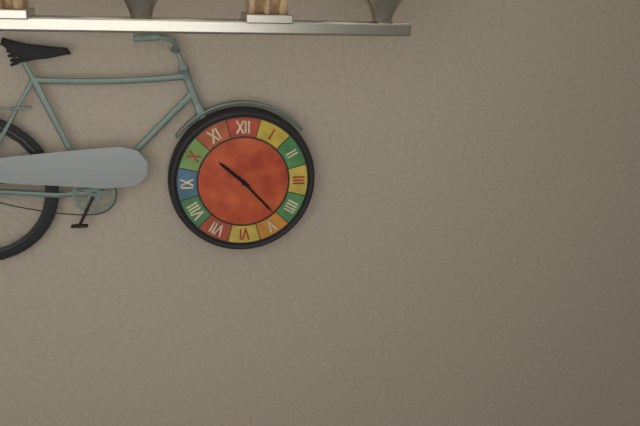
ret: **10:23**
